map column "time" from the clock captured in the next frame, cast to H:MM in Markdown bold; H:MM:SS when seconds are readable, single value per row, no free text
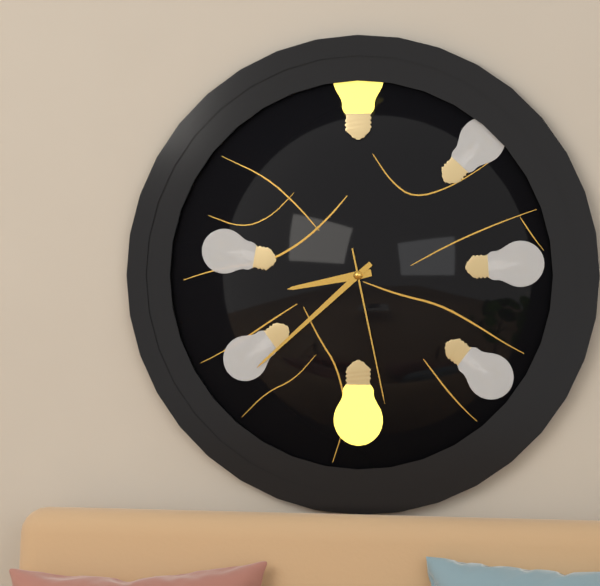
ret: **8:38:28**
